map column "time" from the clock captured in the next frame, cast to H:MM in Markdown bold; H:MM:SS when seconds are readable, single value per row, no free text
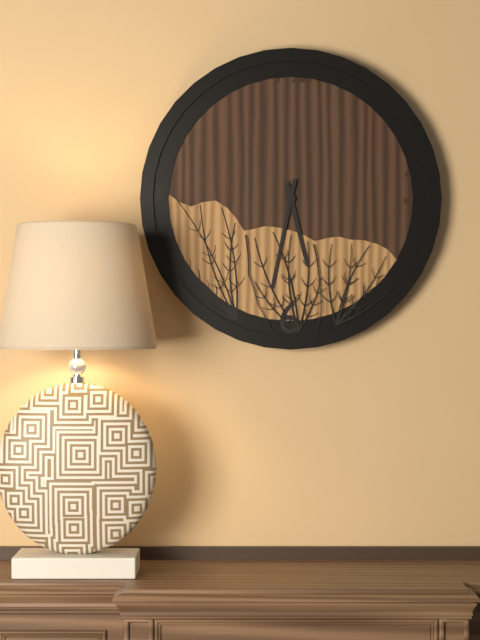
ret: **5:32**
